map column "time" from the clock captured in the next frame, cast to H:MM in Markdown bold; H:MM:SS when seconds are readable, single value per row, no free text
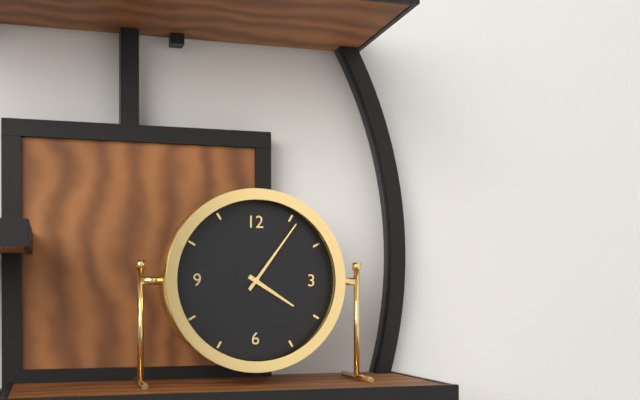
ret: **4:06**
